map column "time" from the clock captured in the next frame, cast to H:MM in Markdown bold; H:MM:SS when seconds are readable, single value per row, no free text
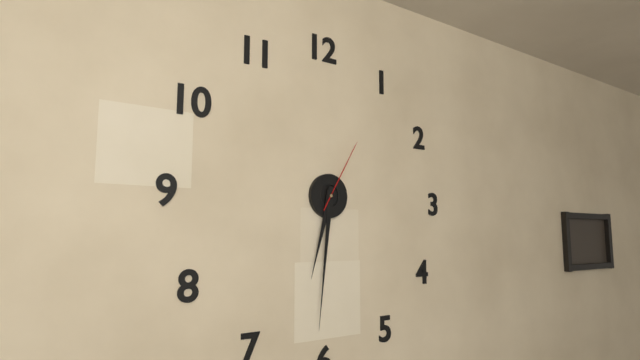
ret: **6:31:05**
